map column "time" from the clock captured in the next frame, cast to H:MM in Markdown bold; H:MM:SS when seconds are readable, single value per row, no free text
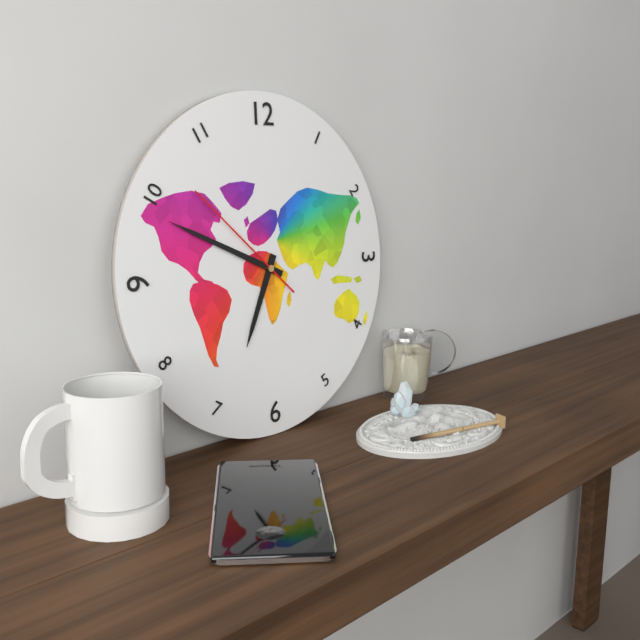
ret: **6:49:52**
